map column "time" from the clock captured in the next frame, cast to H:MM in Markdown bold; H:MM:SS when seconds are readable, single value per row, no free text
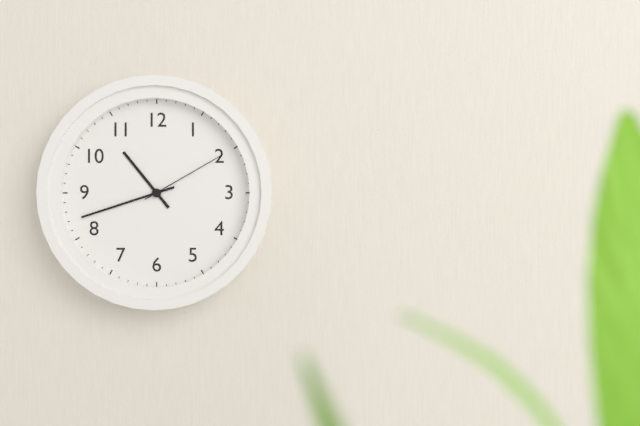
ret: **10:42:10**
